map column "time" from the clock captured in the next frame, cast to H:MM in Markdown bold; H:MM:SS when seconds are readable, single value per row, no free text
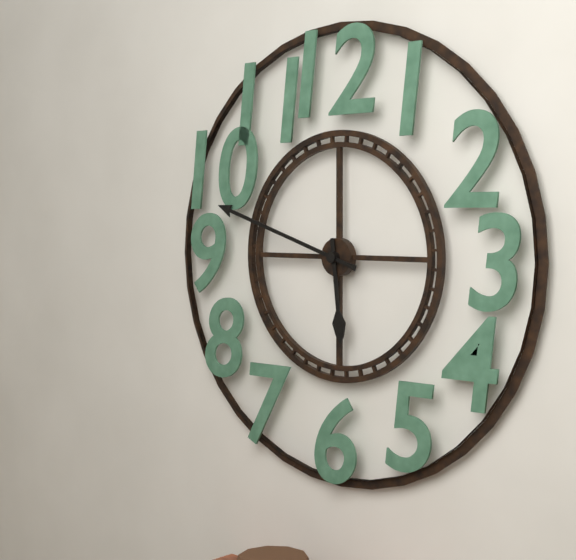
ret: **5:48**
